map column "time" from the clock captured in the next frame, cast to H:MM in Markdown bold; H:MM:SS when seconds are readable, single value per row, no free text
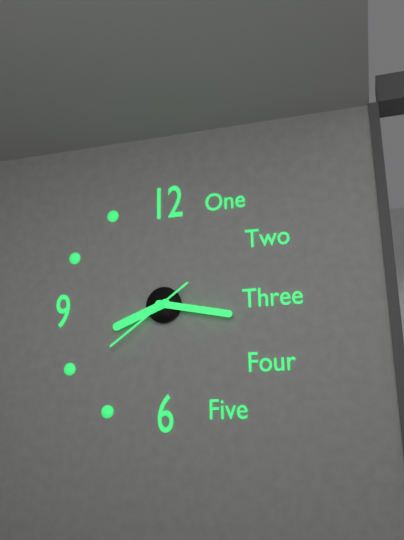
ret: **8:17:39**
